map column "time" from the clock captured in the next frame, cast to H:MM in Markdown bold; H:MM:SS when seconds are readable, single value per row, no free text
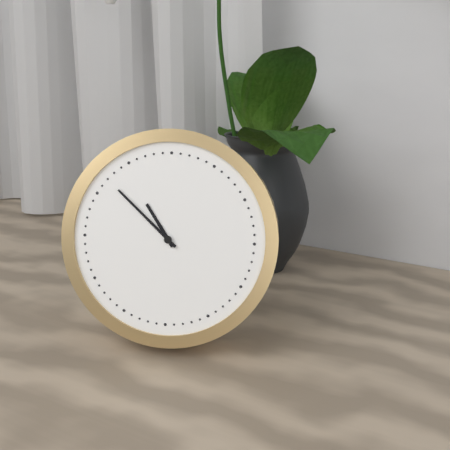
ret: **10:52**
